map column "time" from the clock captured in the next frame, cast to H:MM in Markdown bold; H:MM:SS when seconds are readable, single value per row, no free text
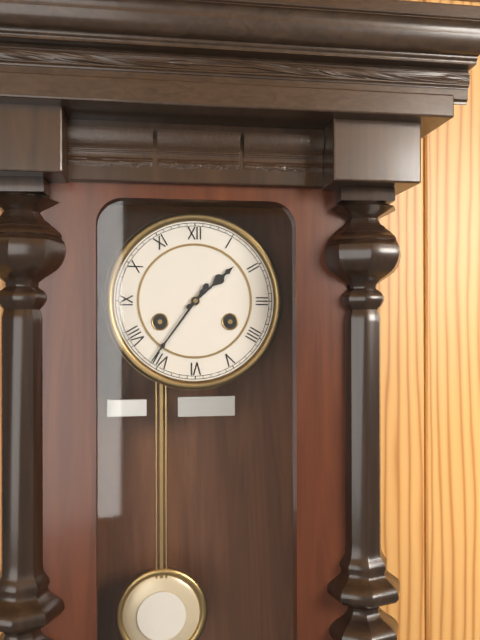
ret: **1:36**
